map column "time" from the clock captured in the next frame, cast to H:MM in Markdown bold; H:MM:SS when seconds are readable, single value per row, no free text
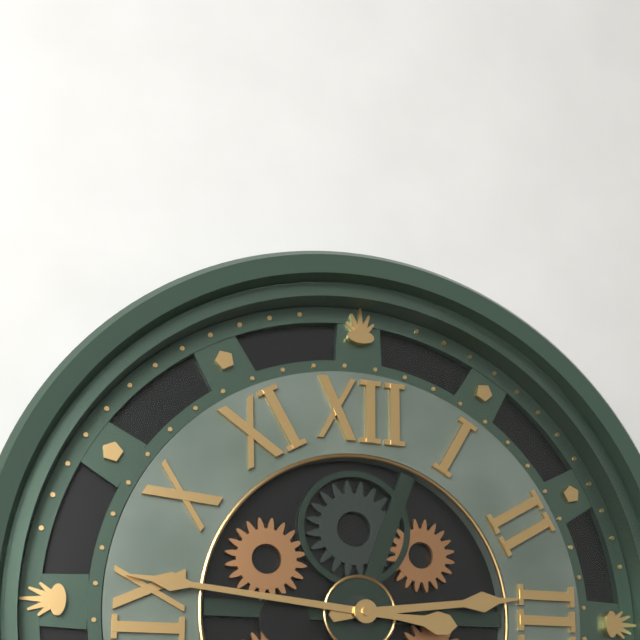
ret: **2:46**
